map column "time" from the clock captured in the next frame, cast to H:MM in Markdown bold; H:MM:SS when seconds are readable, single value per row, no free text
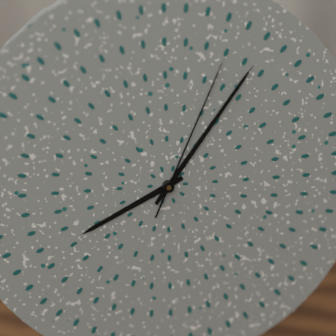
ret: **8:06:04**
